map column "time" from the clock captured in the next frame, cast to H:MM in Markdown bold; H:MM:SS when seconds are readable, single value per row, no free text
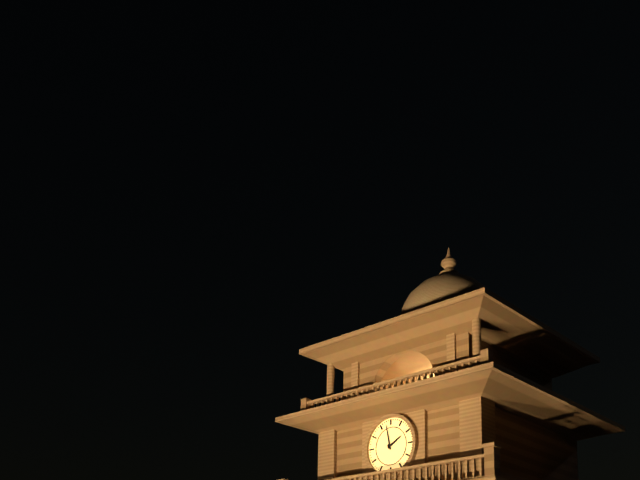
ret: **1:58**
